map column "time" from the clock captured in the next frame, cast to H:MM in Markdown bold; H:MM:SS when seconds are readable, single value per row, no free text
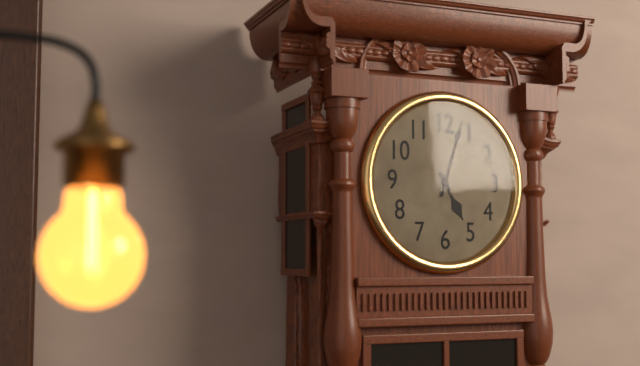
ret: **5:03**
